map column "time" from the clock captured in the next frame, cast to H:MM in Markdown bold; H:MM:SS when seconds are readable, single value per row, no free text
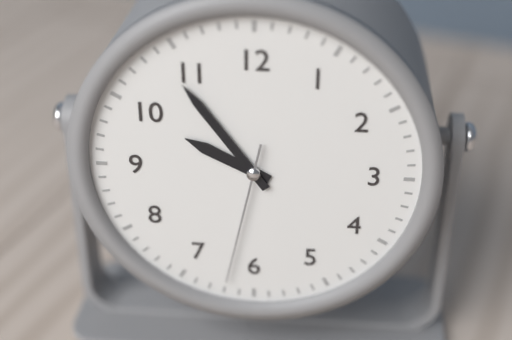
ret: **9:54:32**
